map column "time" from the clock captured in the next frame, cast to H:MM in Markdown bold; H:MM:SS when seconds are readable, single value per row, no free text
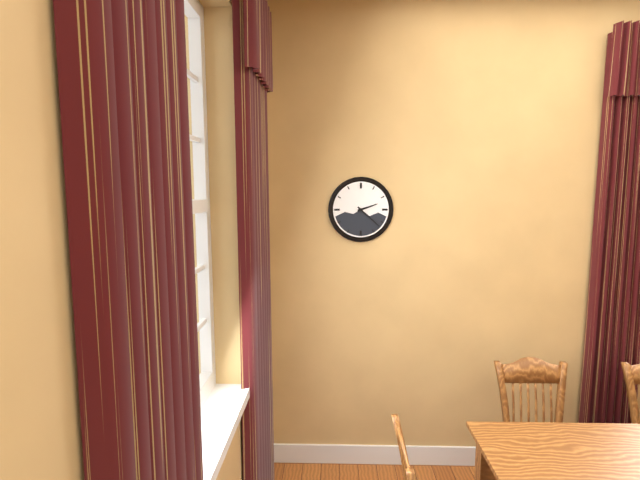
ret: **2:22**
